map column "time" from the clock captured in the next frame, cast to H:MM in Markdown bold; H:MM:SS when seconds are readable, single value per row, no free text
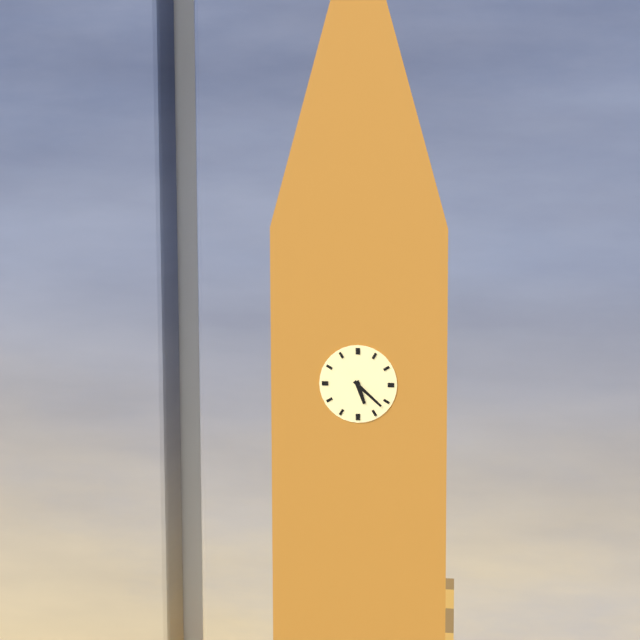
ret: **5:22**
